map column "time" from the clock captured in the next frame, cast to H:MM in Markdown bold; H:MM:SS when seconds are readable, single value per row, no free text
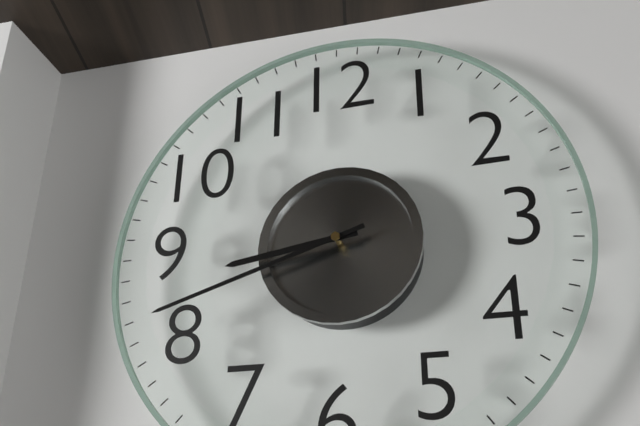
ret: **8:42**
